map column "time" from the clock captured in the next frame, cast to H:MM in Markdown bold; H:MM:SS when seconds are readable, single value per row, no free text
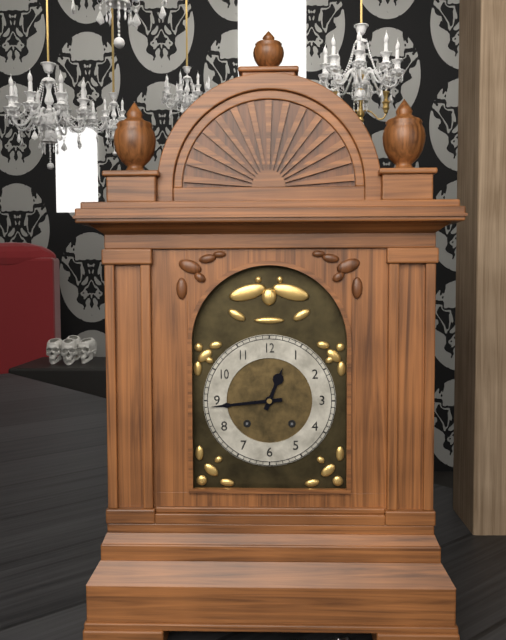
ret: **12:44**
